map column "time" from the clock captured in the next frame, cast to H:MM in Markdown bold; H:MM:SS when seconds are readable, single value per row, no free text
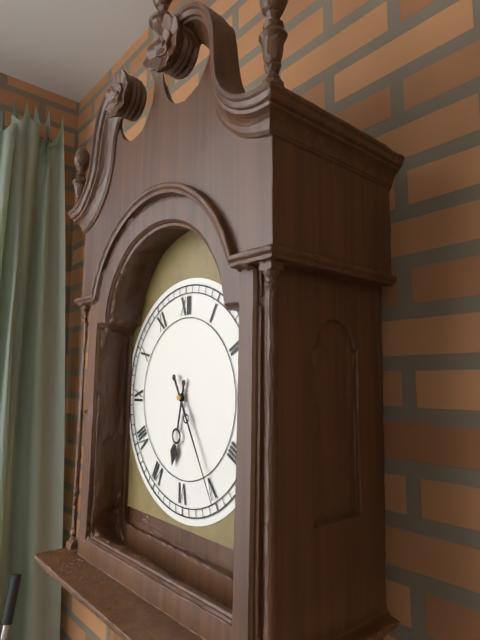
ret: **6:25**
